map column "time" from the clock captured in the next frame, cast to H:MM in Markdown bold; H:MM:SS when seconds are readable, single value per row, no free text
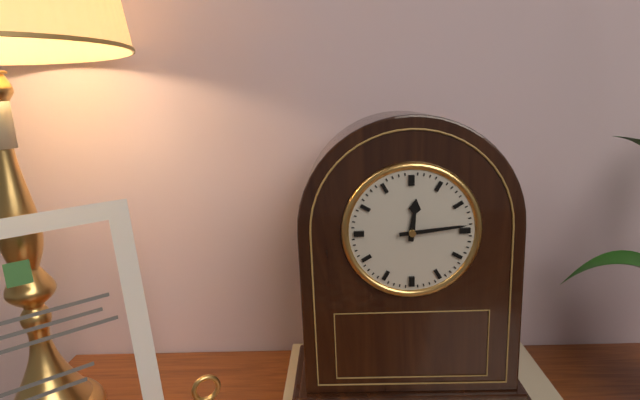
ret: **12:14**
